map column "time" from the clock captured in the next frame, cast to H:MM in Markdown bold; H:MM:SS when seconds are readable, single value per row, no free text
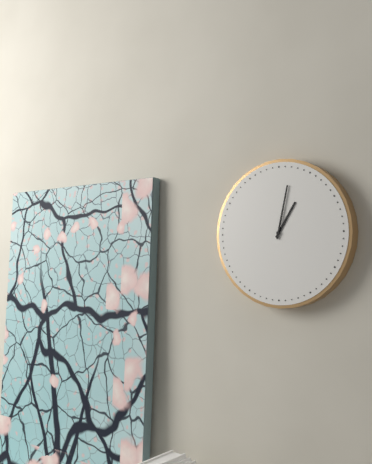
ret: **1:02**
